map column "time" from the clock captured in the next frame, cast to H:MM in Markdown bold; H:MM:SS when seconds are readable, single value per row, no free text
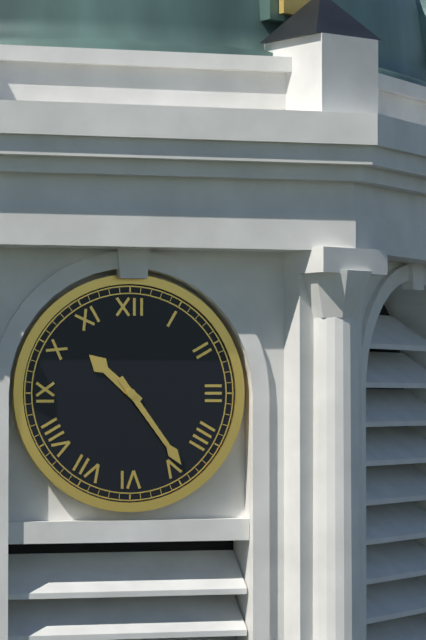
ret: **10:24**
